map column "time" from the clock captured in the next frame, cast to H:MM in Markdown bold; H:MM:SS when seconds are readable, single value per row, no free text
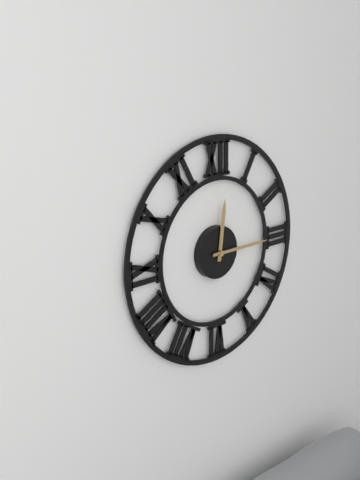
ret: **12:15**
